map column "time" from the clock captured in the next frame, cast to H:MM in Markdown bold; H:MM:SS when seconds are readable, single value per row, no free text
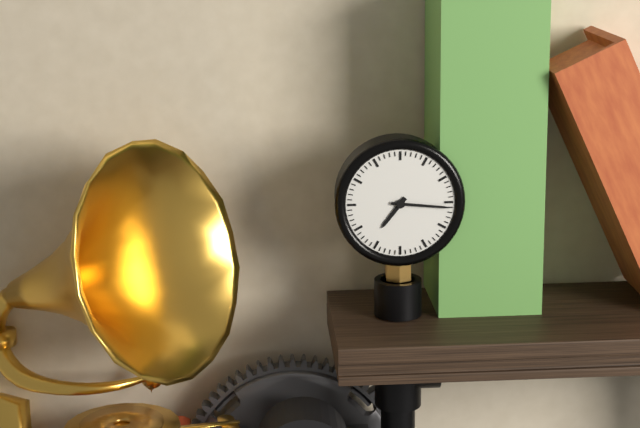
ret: **7:16**
